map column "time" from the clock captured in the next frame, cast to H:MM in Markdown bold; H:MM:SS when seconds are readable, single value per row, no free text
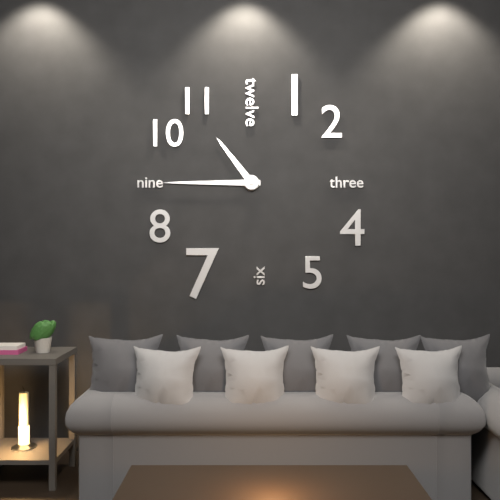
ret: **10:45**
